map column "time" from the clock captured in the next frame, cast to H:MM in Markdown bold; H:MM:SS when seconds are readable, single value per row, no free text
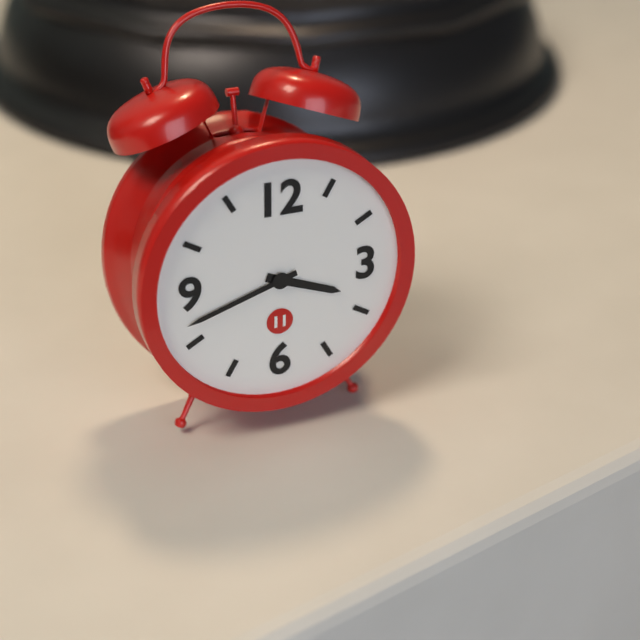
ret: **3:42**
